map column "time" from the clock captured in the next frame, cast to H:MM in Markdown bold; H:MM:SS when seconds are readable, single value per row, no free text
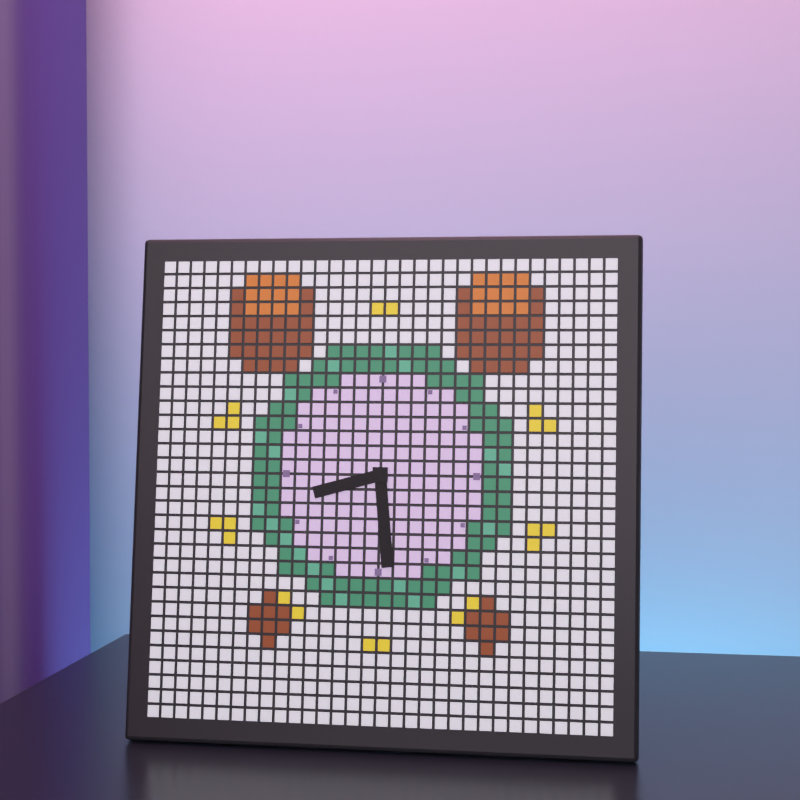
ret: **8:29**
